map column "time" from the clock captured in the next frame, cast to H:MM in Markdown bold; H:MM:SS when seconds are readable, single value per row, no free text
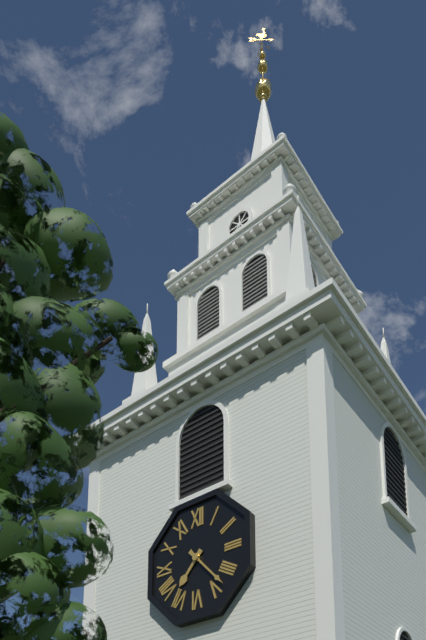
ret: **7:23**
